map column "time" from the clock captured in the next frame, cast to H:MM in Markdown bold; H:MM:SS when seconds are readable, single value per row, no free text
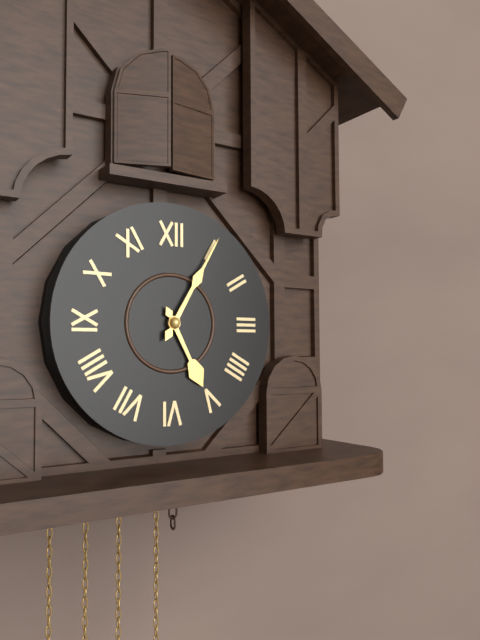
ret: **5:05**
